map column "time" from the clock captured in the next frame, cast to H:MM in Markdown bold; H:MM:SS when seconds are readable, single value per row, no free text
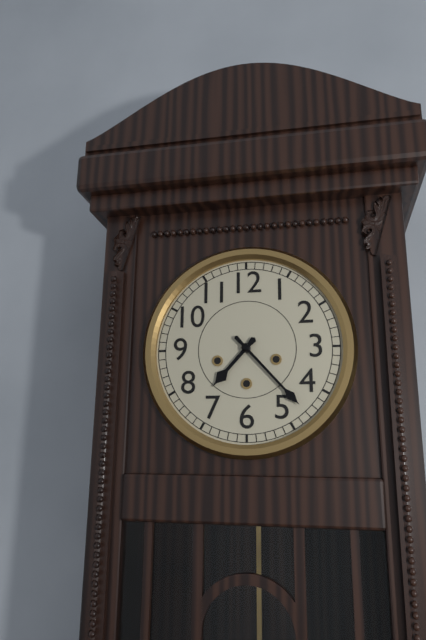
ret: **7:23**
